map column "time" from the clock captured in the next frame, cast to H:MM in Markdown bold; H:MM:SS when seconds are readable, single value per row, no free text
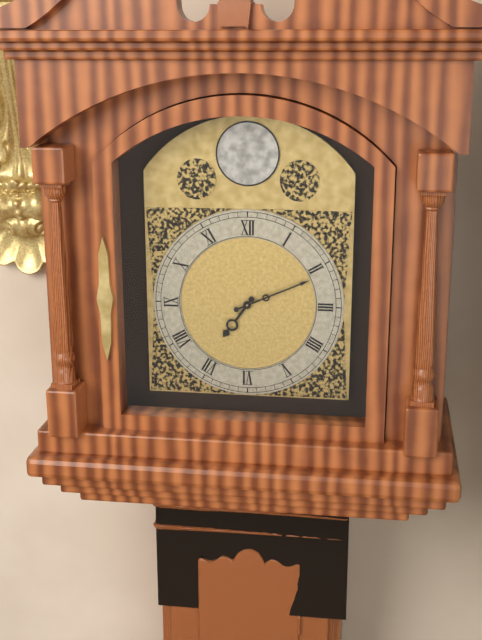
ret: **7:11**
